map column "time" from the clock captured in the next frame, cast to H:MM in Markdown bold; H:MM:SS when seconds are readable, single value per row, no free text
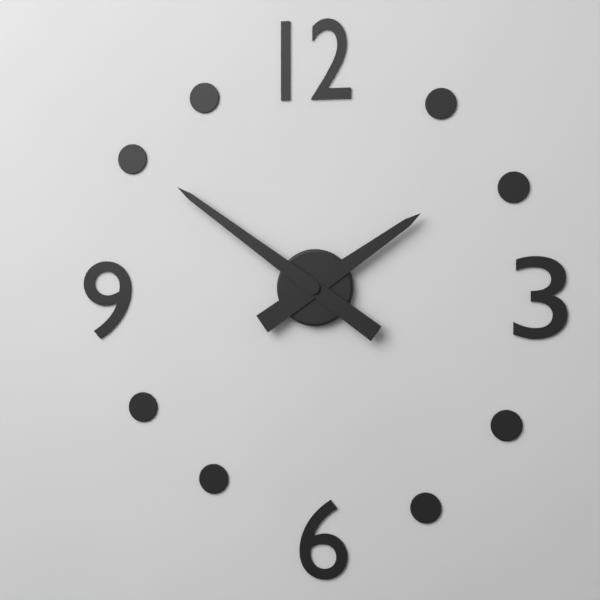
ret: **1:51**
